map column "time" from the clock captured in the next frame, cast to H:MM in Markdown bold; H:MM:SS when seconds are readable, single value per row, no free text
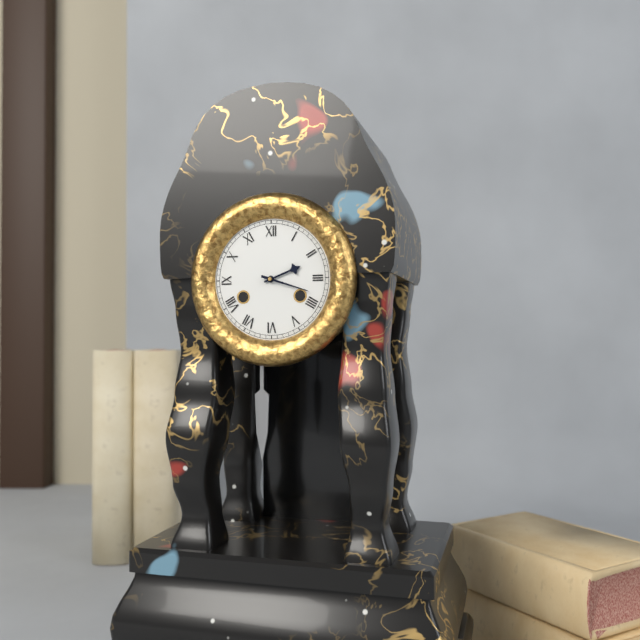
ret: **2:18**
